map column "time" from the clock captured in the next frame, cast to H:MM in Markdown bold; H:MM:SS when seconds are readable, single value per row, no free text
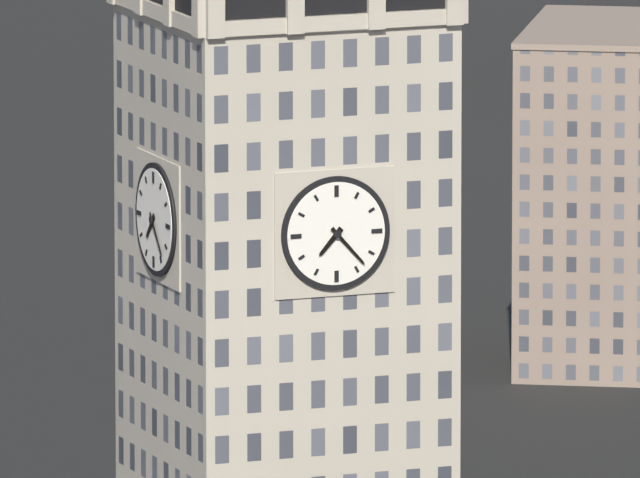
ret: **7:23**
